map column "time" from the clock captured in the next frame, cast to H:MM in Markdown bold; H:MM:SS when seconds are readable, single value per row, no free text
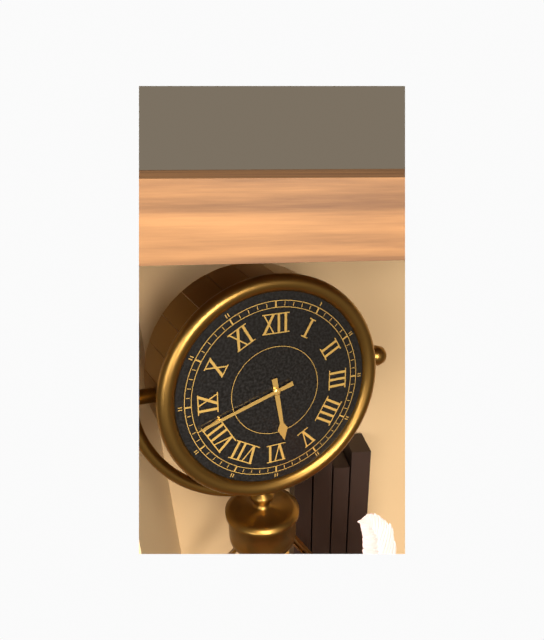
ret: **5:42**
